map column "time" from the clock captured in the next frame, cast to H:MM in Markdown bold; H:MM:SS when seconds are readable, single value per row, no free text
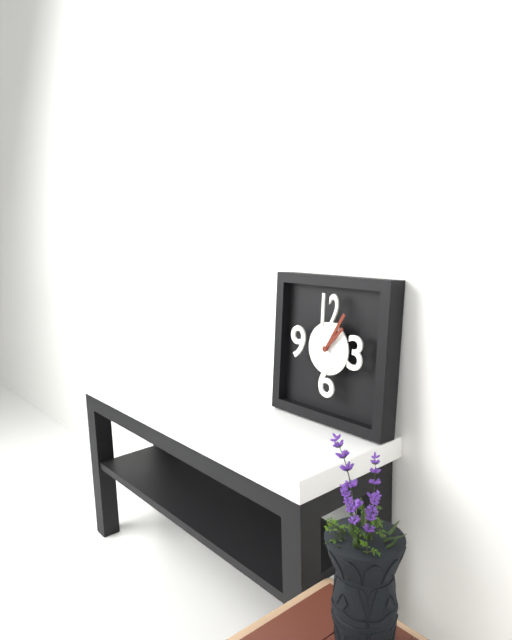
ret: **1:05**
